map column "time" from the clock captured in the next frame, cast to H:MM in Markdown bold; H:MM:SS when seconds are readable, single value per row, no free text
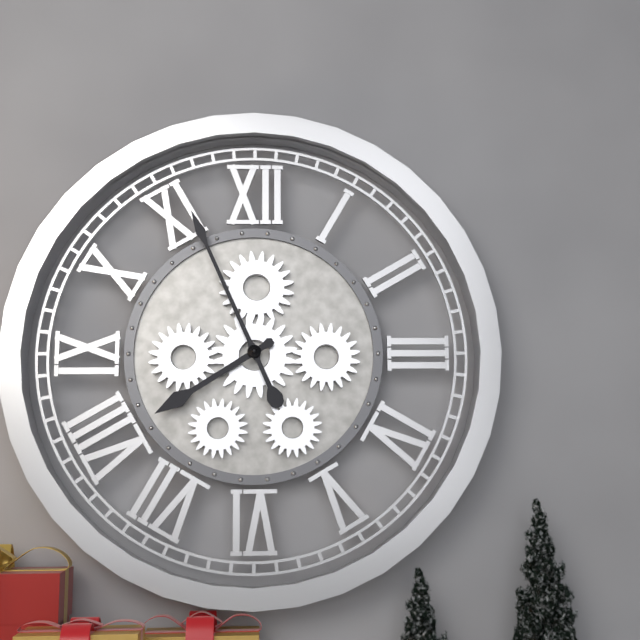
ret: **7:56**
